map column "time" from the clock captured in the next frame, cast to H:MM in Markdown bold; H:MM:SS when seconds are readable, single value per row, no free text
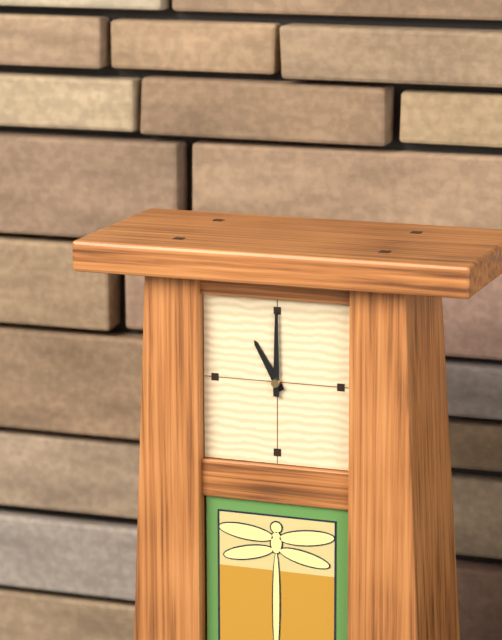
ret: **11:00**
